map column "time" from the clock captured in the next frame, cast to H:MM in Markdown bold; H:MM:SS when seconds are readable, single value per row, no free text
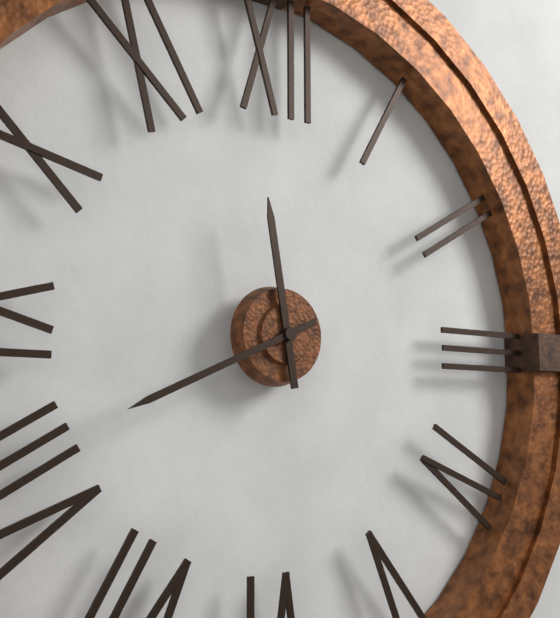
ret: **11:41**
